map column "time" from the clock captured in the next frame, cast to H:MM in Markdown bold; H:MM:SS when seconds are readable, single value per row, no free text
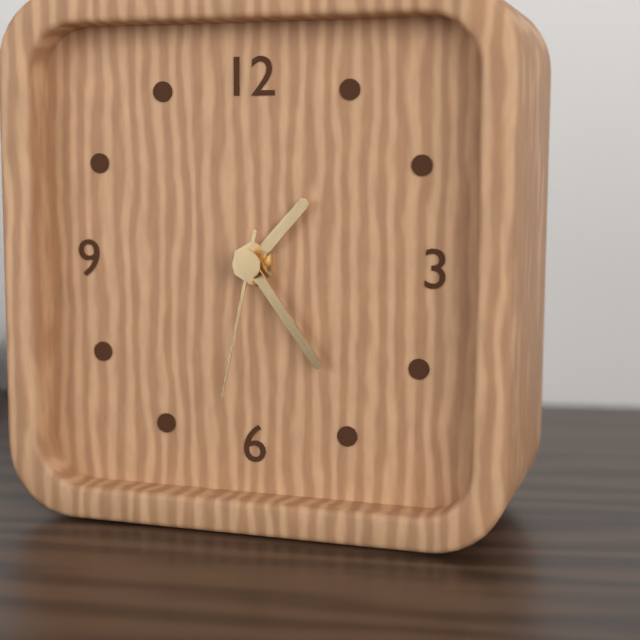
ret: **1:24:32**
